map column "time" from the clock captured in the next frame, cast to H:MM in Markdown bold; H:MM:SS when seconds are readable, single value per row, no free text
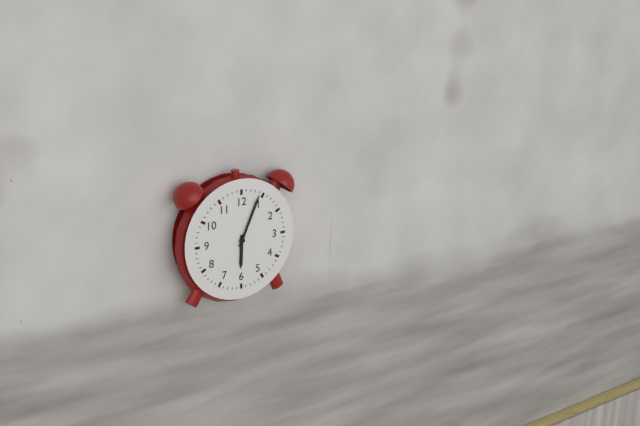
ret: **6:04**
